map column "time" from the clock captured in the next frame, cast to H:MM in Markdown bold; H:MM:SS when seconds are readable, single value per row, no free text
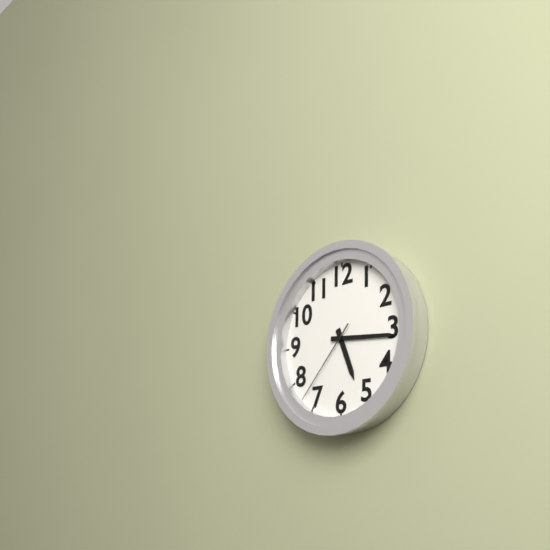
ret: **5:16:37**
